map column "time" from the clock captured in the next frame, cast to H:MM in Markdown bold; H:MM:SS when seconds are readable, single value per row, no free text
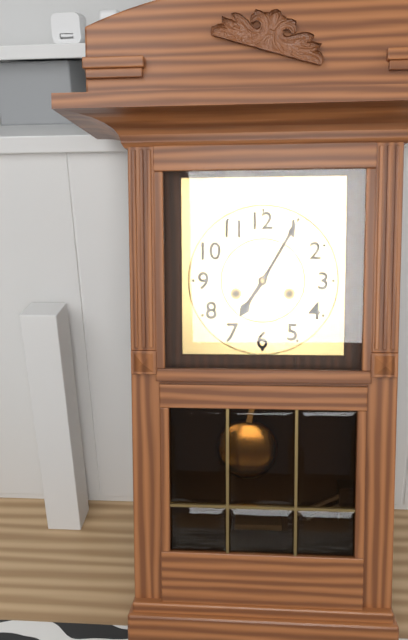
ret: **7:05**
